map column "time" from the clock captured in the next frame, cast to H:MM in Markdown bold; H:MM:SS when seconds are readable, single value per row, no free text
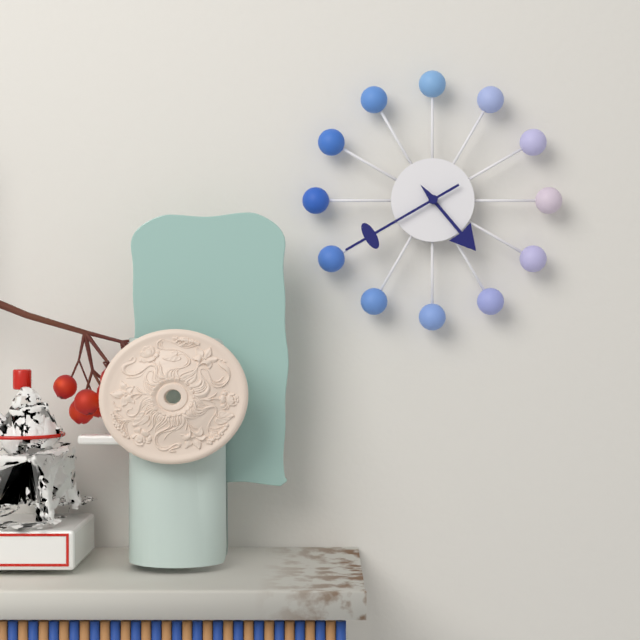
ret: **4:40**
